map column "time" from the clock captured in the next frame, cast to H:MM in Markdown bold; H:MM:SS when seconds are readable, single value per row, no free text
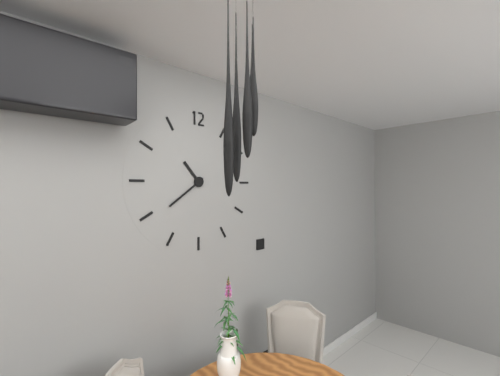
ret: **10:39**
